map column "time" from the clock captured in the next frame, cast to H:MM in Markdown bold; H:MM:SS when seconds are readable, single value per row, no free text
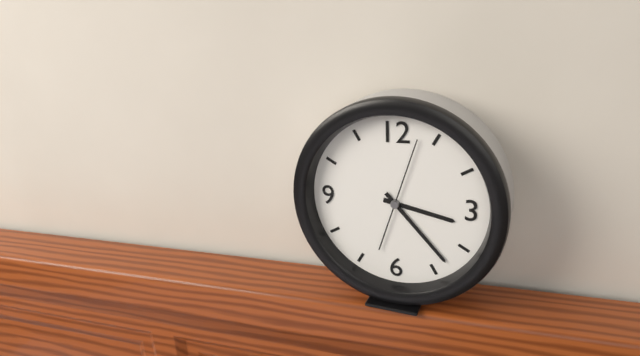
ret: **3:23:03**
